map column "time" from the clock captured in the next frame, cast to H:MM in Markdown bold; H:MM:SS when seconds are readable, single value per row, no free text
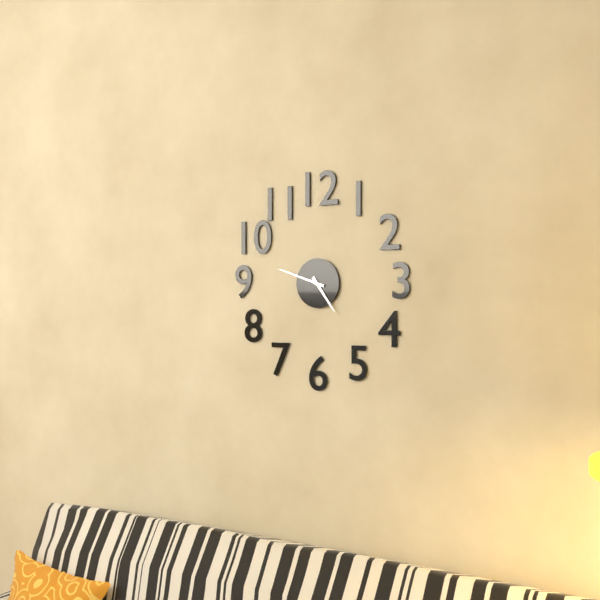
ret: **4:48**
